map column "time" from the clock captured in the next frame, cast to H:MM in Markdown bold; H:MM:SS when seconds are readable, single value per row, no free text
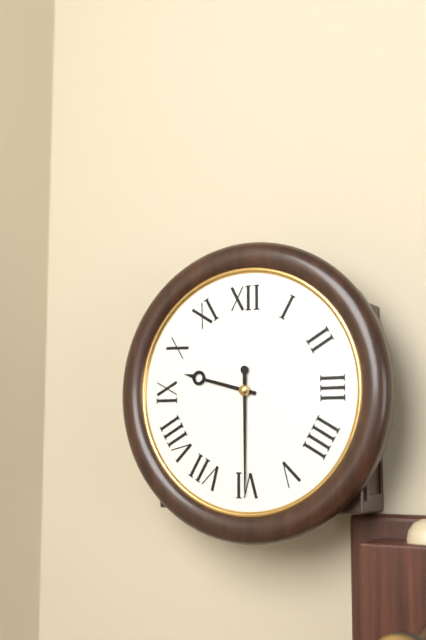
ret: **9:30**
